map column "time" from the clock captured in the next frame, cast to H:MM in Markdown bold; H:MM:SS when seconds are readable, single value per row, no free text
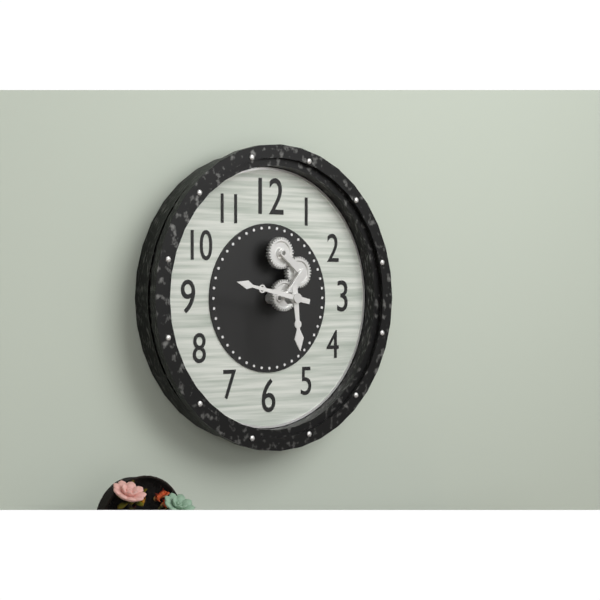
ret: **5:47**
